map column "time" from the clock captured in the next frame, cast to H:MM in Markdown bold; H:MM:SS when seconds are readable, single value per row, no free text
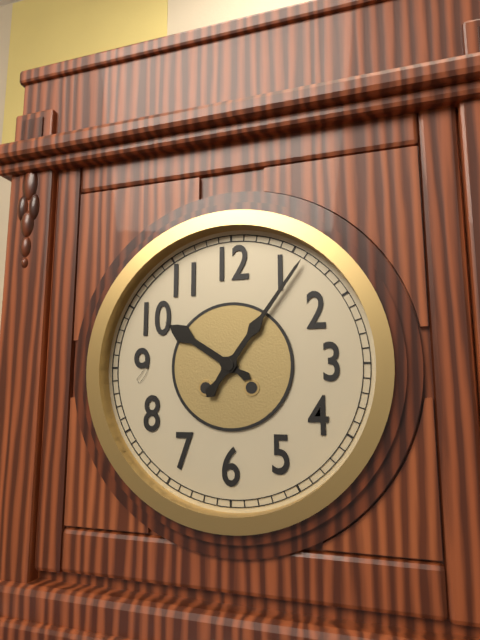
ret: **10:06**
